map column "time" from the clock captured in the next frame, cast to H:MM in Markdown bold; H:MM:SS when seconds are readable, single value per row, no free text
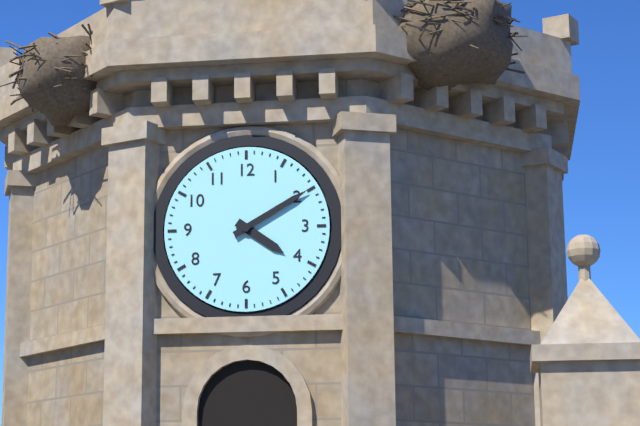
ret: **4:10**
